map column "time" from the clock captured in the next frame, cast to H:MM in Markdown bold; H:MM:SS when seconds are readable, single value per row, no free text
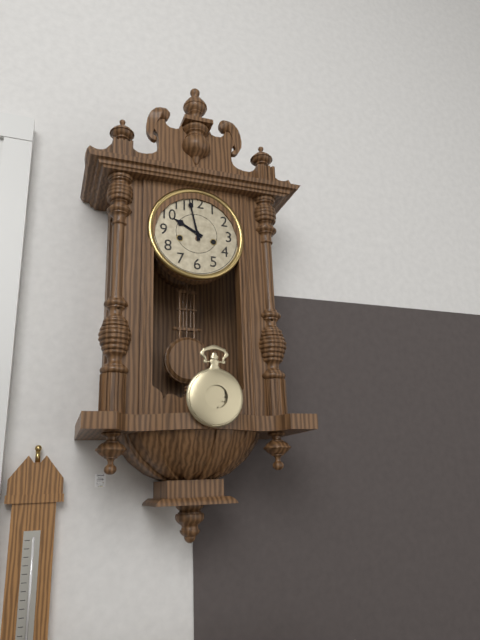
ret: **9:58**
